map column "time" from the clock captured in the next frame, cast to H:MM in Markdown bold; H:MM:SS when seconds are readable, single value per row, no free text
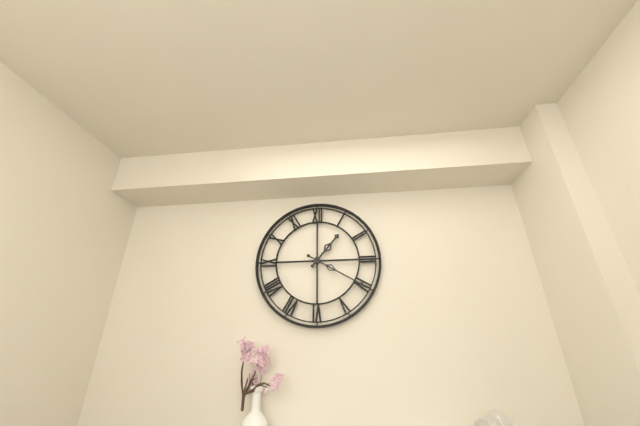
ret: **1:20**
